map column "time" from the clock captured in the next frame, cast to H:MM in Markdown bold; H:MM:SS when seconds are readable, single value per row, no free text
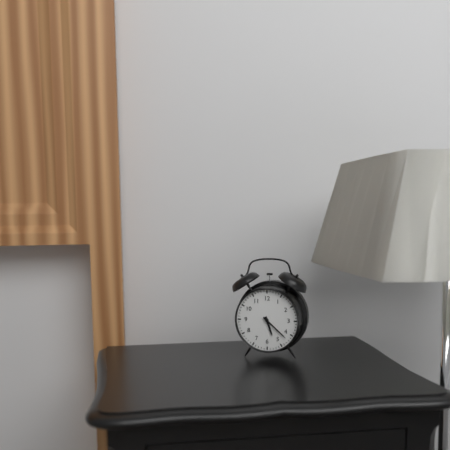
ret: **5:22**
